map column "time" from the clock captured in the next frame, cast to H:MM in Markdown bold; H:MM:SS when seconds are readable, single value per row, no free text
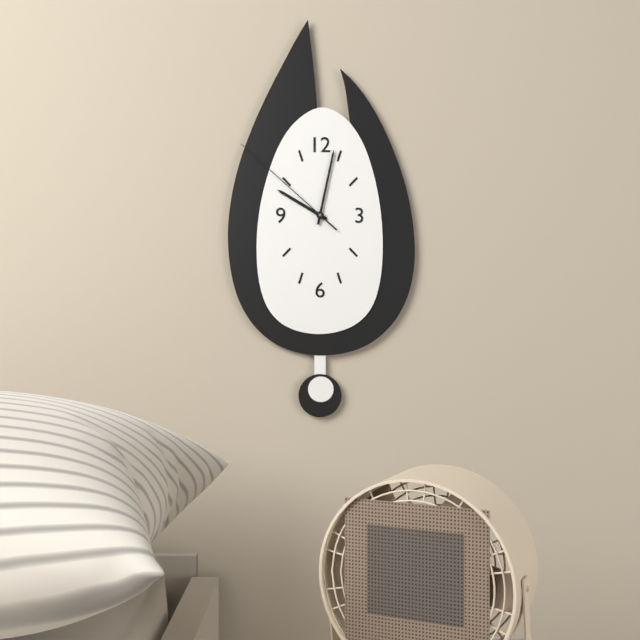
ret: **10:02:52**
